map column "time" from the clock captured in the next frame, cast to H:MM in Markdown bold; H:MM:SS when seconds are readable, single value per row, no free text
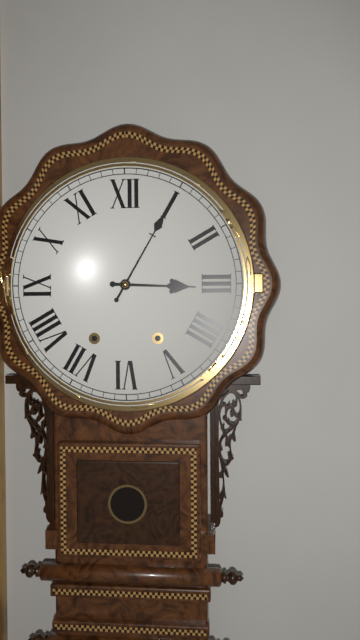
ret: **3:05**
